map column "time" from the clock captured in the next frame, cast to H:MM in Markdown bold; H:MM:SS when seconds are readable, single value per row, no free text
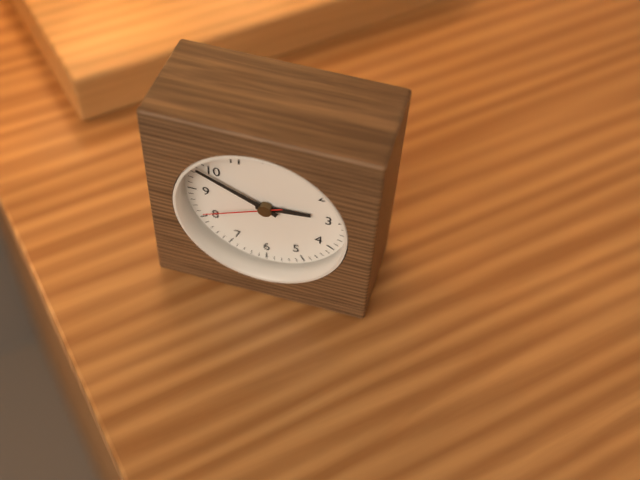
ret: **2:49:41**
